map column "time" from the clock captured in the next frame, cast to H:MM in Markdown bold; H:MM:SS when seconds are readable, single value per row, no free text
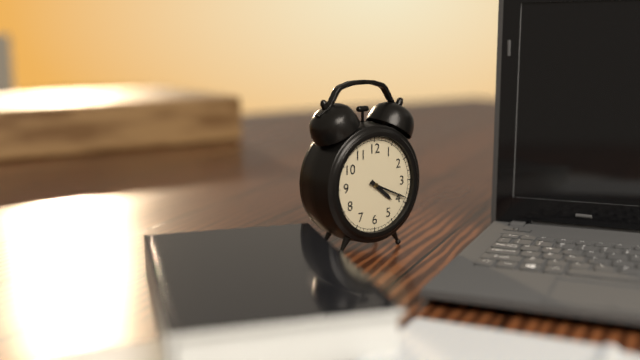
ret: **4:19**
